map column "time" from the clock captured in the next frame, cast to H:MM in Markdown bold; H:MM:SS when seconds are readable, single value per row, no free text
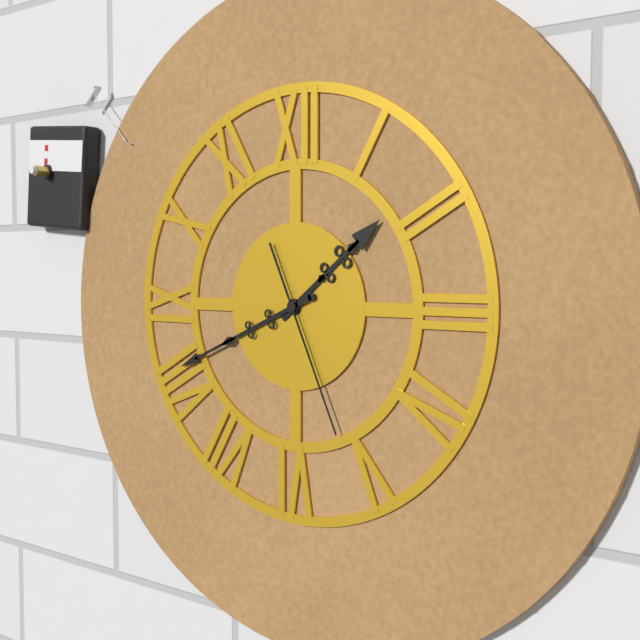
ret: **1:41:26**
